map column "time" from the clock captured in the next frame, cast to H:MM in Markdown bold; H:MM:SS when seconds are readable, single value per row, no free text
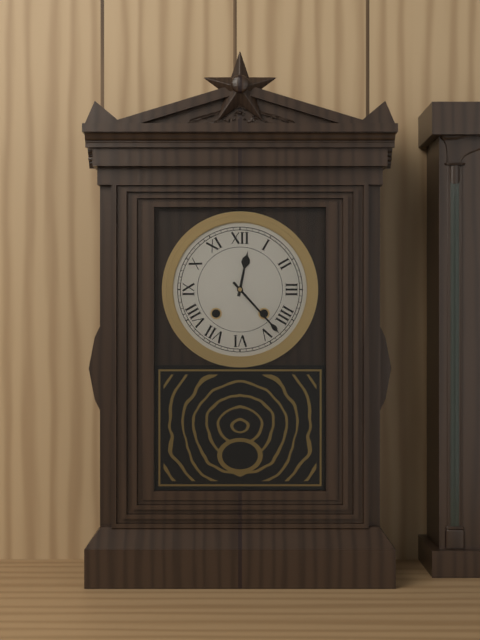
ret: **12:23**
